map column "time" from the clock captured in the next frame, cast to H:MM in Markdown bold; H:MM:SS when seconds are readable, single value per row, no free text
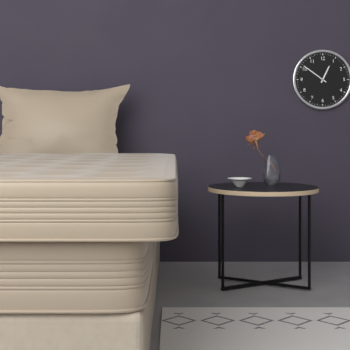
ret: **12:51**
